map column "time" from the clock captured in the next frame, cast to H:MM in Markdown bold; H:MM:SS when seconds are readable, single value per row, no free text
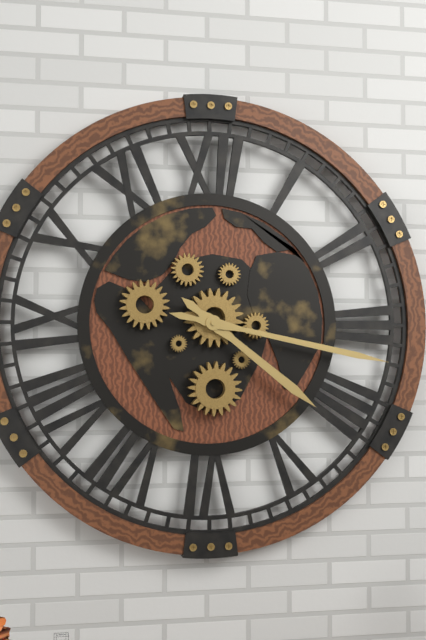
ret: **4:17**
